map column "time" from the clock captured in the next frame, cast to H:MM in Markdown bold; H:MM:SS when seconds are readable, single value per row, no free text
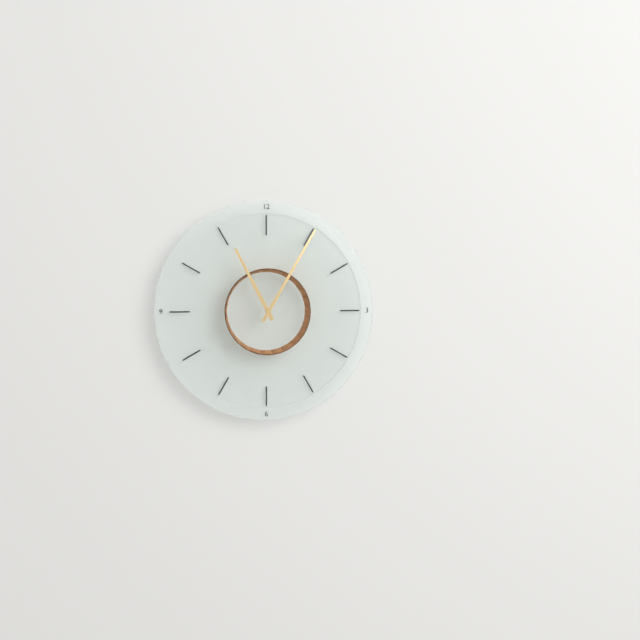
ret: **11:05**
